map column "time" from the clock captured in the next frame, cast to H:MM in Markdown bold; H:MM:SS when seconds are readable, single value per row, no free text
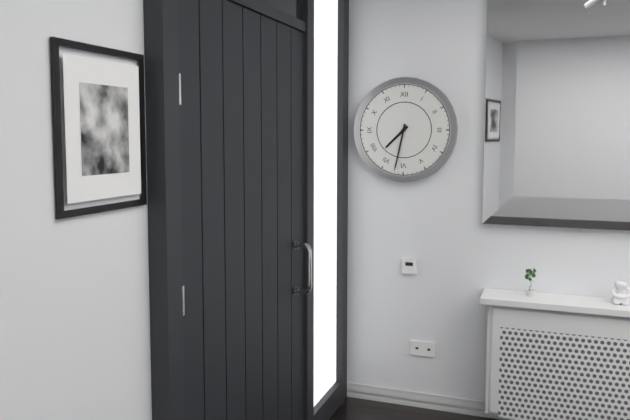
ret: **7:32**
